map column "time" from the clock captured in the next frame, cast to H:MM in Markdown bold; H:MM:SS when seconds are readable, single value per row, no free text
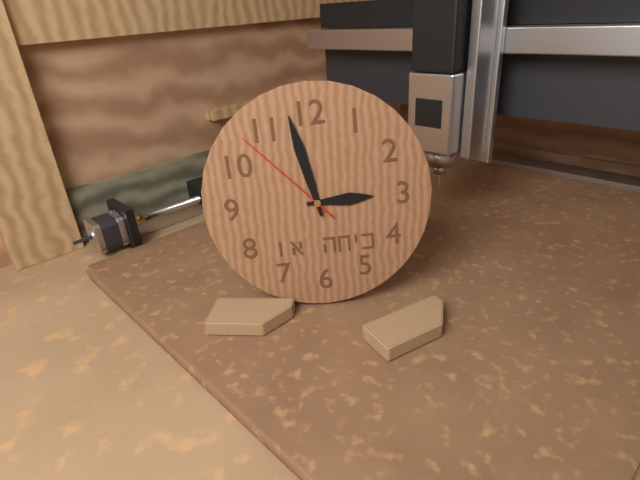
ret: **2:58:53**
